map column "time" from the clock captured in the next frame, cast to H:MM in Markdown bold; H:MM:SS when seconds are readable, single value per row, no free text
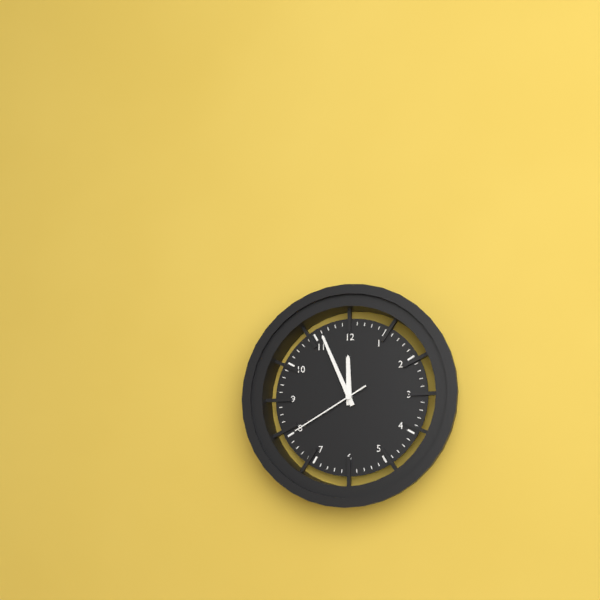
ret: **11:56:40**
